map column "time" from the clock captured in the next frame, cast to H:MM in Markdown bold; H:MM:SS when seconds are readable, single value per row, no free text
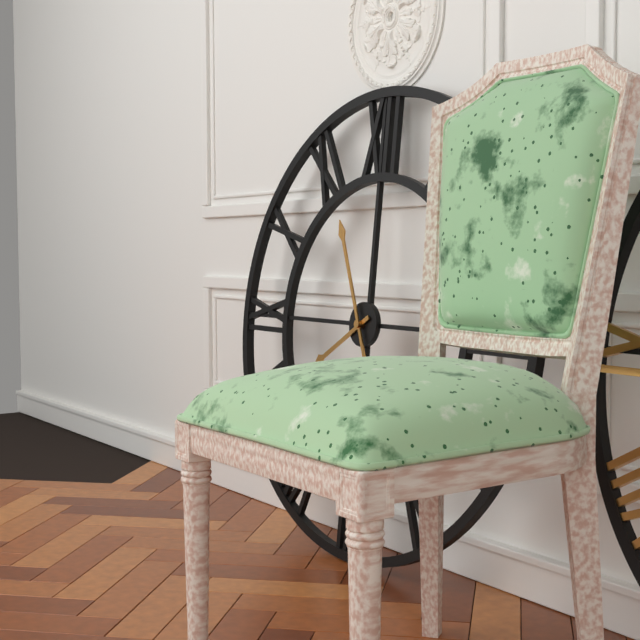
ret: **7:56**
